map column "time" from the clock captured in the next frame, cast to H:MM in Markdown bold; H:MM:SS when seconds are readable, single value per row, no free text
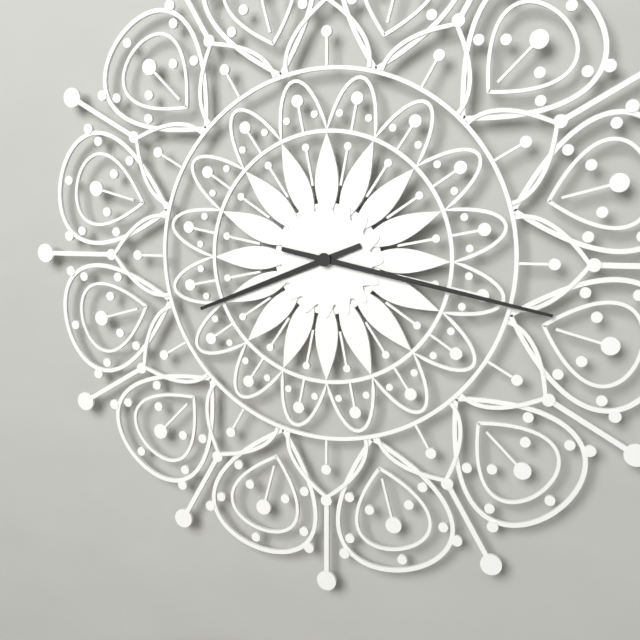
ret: **8:17**
